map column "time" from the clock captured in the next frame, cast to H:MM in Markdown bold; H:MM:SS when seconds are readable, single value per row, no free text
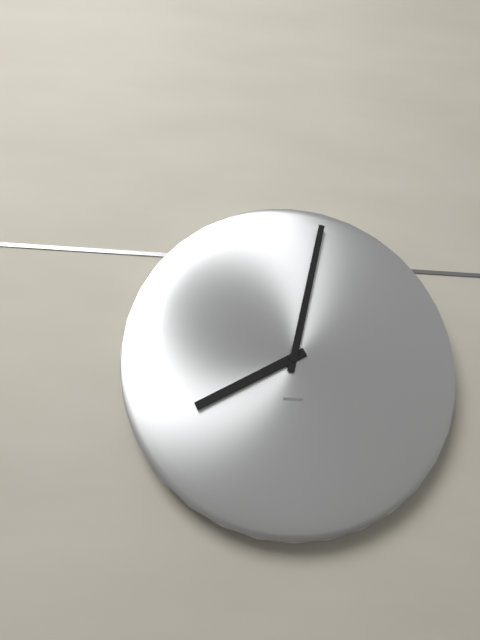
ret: **8:02**
